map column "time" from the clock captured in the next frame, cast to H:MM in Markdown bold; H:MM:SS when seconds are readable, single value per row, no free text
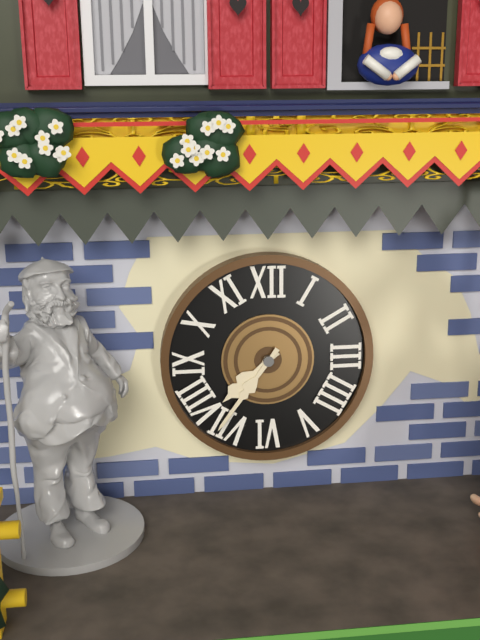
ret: **7:36**
